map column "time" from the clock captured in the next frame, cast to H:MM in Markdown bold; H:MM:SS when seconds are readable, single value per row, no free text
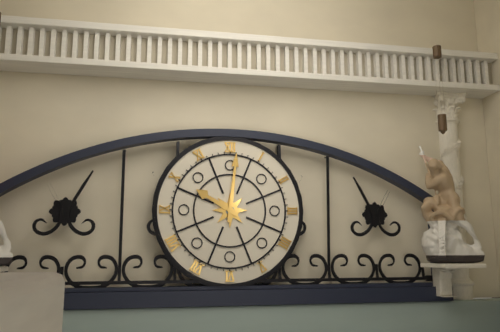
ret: **10:01**
